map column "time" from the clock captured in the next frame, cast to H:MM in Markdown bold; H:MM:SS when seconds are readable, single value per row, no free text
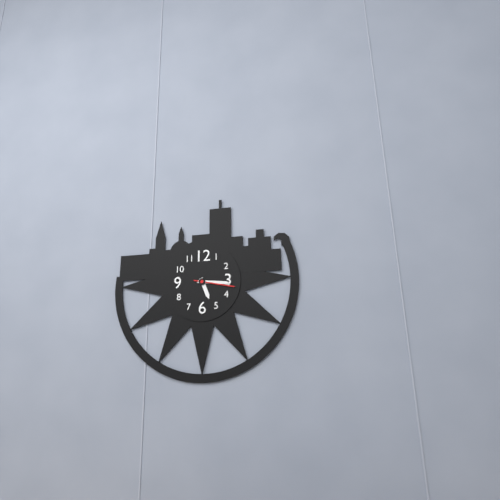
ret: **5:16**
